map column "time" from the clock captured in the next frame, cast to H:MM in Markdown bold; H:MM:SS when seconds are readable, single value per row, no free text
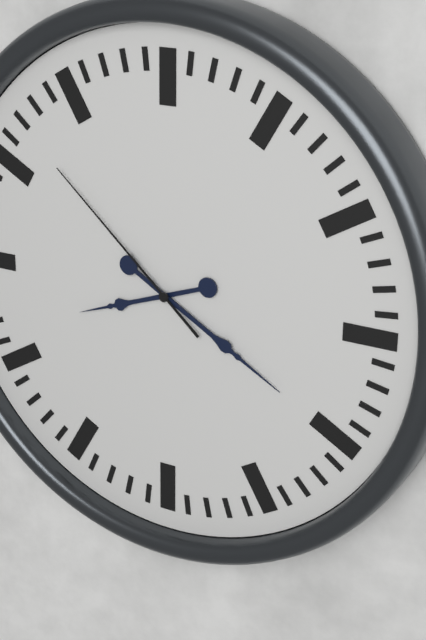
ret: **8:20:52**
